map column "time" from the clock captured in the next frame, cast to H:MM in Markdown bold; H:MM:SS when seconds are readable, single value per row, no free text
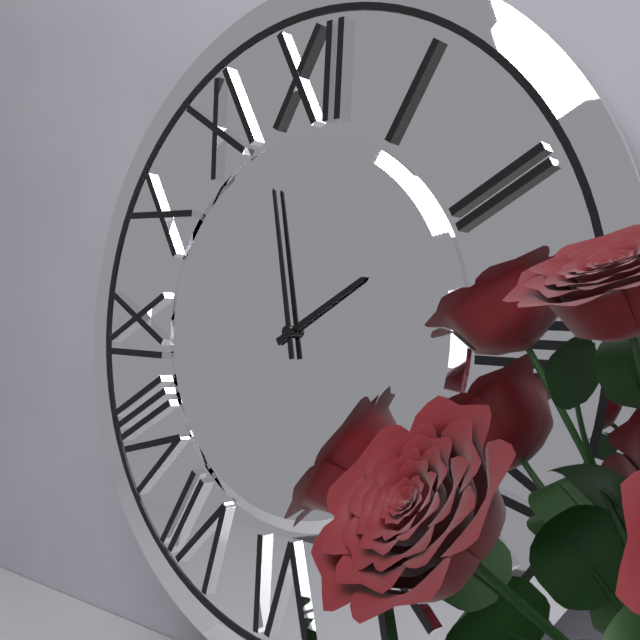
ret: **1:58**
